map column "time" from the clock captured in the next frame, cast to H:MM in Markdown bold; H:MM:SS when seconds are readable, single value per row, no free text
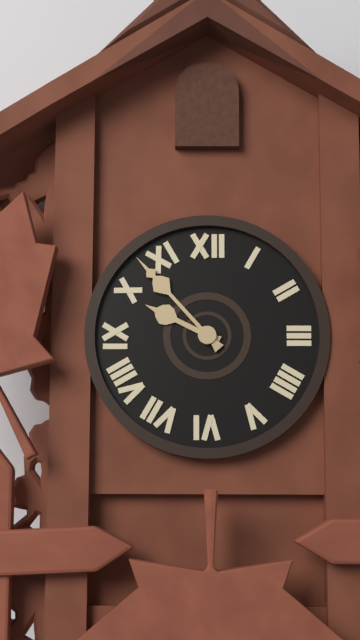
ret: **9:53**
